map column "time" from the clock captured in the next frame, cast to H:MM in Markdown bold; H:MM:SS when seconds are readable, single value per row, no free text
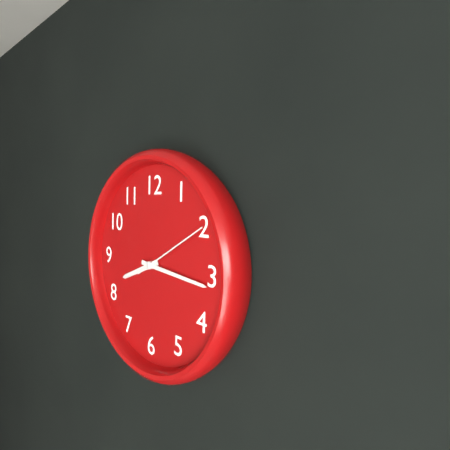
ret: **8:16:10**
